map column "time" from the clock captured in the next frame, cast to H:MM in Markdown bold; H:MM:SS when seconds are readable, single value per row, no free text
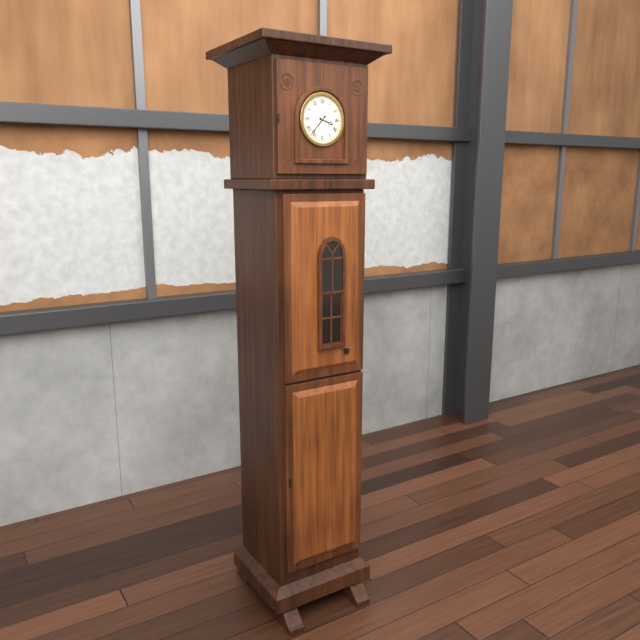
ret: **3:37**
